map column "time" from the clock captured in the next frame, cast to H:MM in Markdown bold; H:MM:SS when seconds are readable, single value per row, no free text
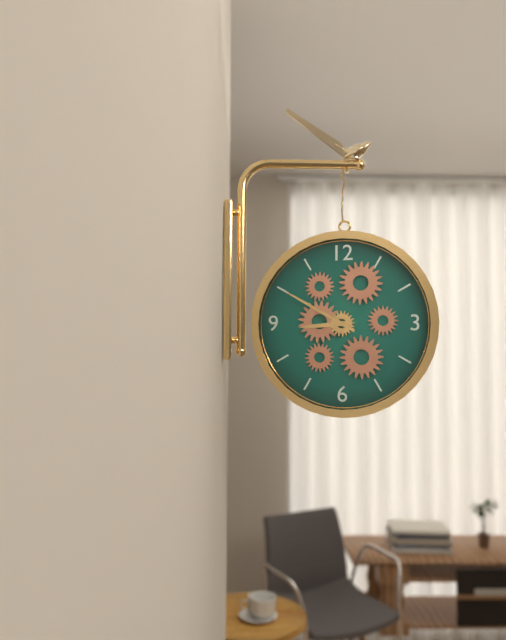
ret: **8:50**
